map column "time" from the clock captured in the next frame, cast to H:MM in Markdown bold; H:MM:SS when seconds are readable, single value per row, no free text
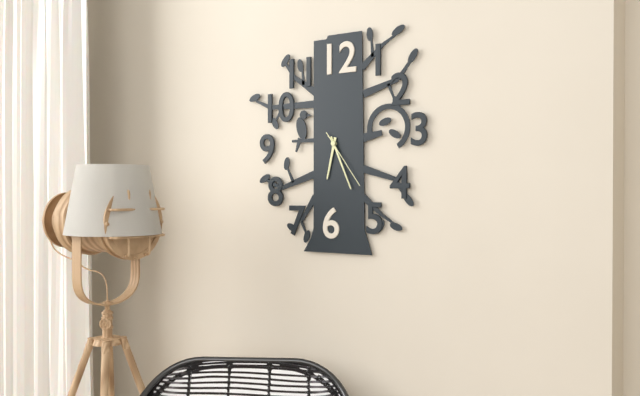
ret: **6:26:24**
